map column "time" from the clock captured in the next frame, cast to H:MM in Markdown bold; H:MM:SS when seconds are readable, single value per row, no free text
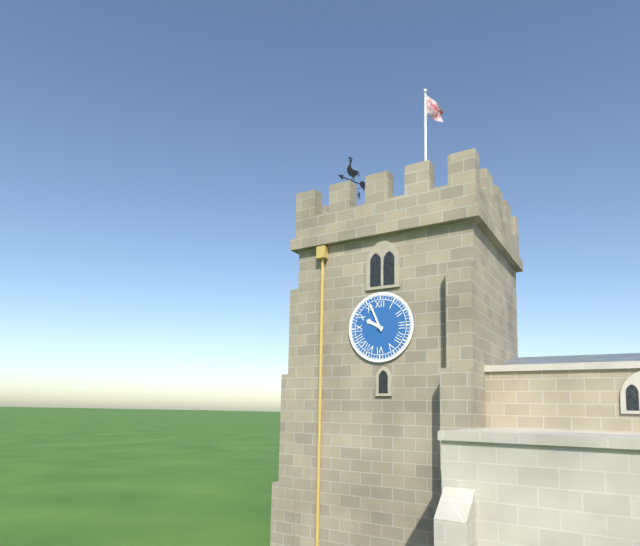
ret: **9:56**
